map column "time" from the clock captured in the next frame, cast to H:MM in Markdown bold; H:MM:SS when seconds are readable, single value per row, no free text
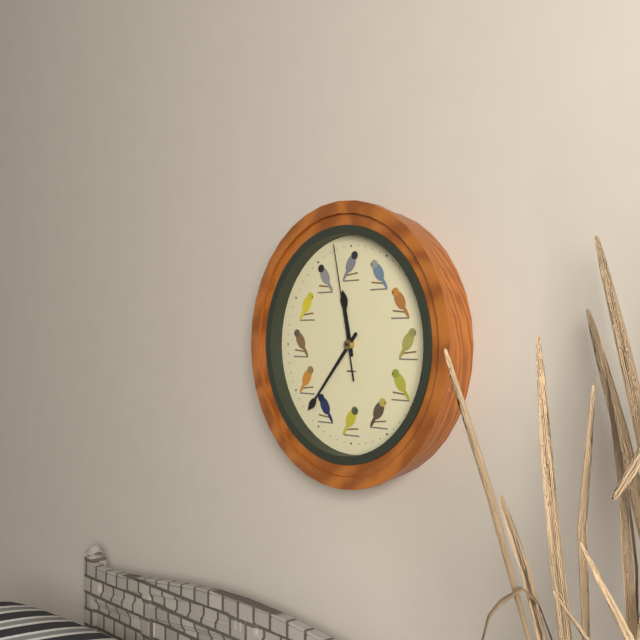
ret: **11:37:58**
